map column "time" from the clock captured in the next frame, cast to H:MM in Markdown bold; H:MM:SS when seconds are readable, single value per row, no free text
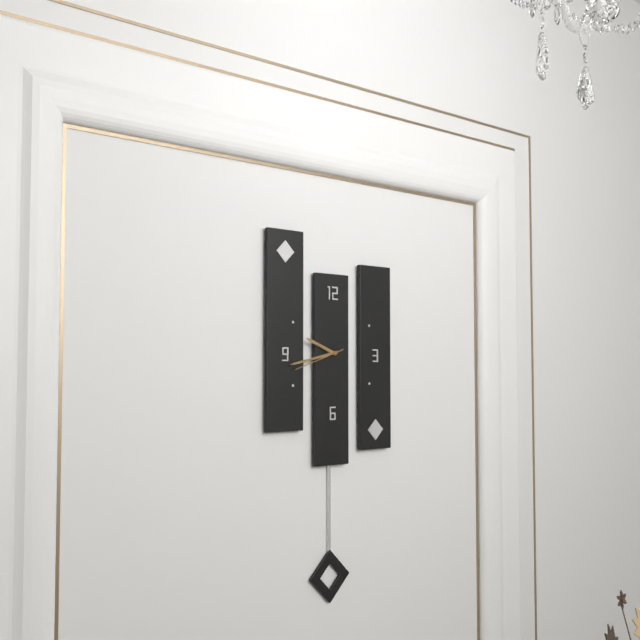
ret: **9:43**
